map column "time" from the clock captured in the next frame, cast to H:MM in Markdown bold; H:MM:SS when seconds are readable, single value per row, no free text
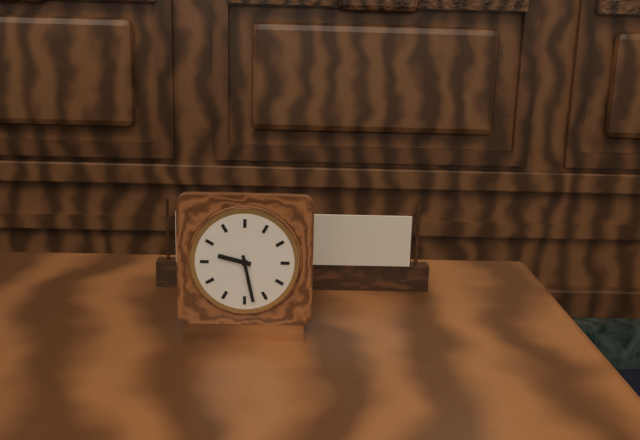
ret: **9:28**
